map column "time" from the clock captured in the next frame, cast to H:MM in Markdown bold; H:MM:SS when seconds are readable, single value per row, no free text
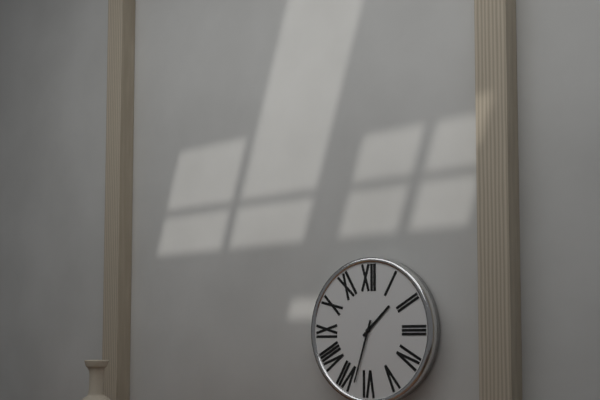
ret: **1:33**
